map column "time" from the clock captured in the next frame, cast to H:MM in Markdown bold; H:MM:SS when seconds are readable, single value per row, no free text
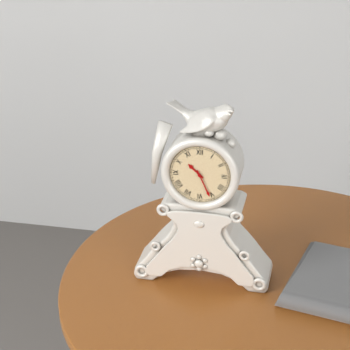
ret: **10:26**
